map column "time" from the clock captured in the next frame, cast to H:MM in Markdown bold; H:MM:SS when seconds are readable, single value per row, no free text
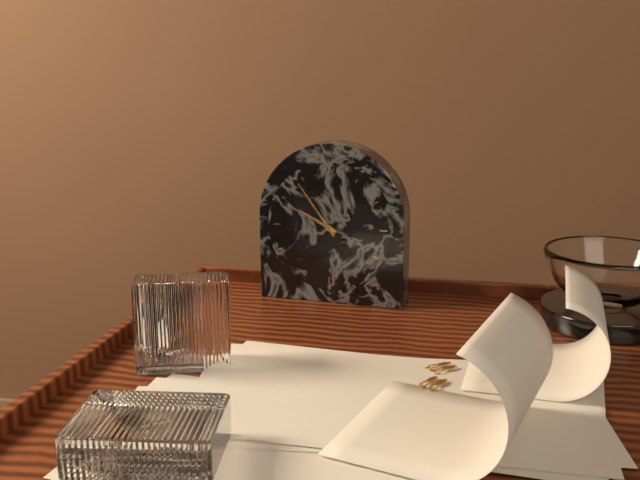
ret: **9:54**
